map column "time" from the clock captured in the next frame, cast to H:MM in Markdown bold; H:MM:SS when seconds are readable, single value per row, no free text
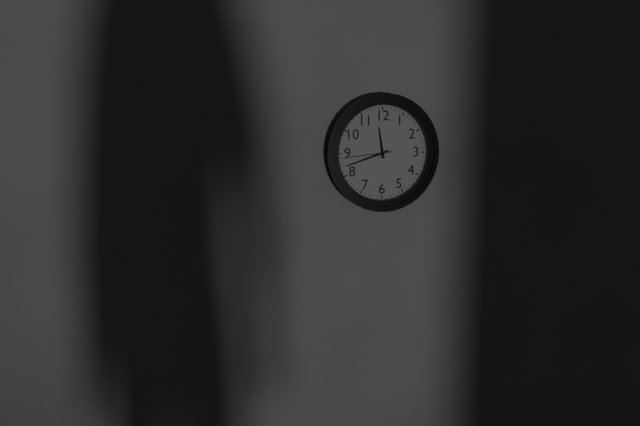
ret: **11:42:44**
